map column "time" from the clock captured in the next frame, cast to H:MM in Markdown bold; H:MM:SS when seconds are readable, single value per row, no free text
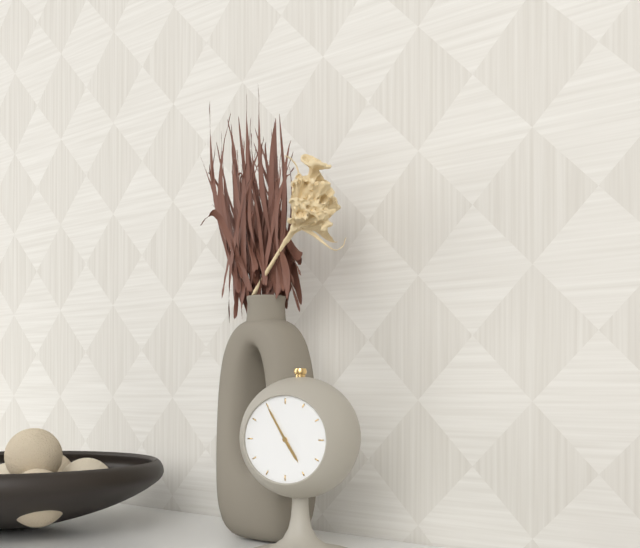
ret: **4:55**
